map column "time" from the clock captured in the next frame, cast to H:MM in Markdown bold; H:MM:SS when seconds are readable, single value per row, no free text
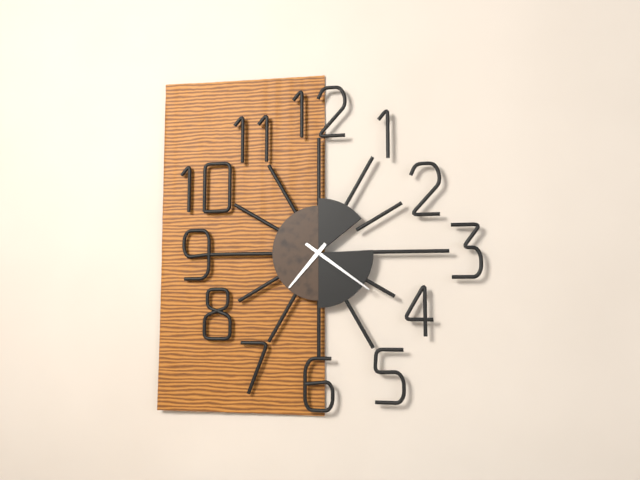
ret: **7:21**
